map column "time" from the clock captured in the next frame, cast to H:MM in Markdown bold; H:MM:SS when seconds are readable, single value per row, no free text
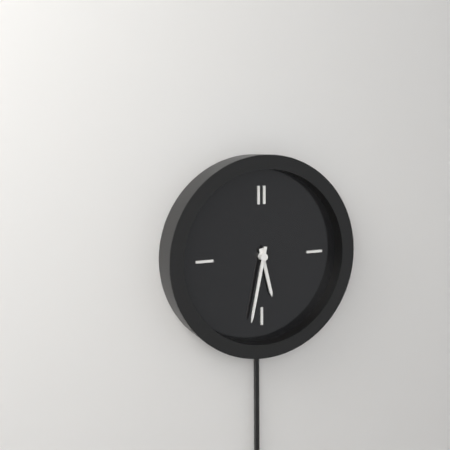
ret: **5:32**
